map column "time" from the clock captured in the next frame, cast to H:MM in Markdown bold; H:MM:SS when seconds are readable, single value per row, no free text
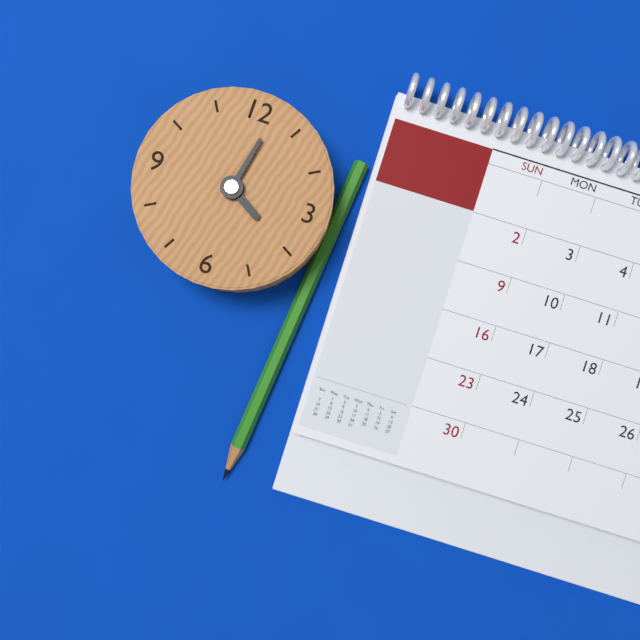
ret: **4:02**
